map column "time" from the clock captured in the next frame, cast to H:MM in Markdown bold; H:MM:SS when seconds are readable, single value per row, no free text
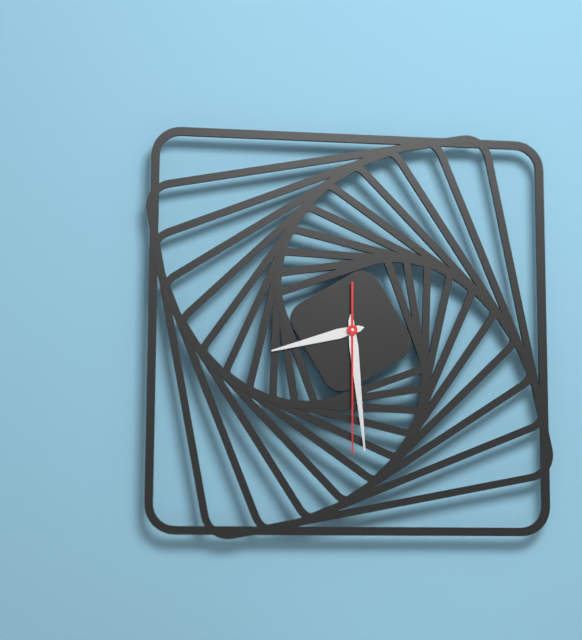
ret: **8:29:30**
